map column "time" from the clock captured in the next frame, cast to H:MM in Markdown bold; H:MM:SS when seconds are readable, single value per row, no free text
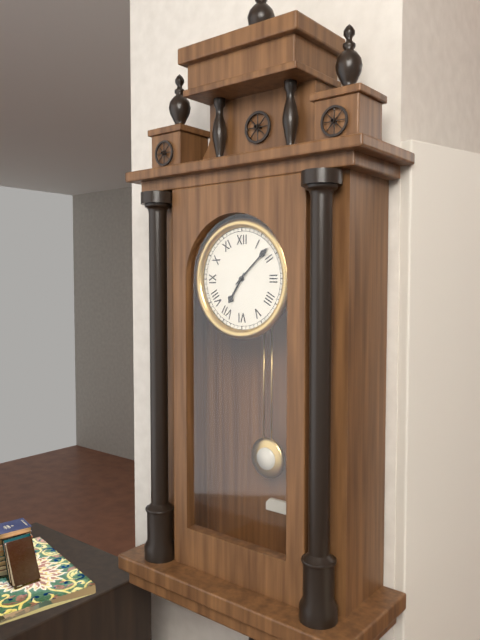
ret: **7:08**
